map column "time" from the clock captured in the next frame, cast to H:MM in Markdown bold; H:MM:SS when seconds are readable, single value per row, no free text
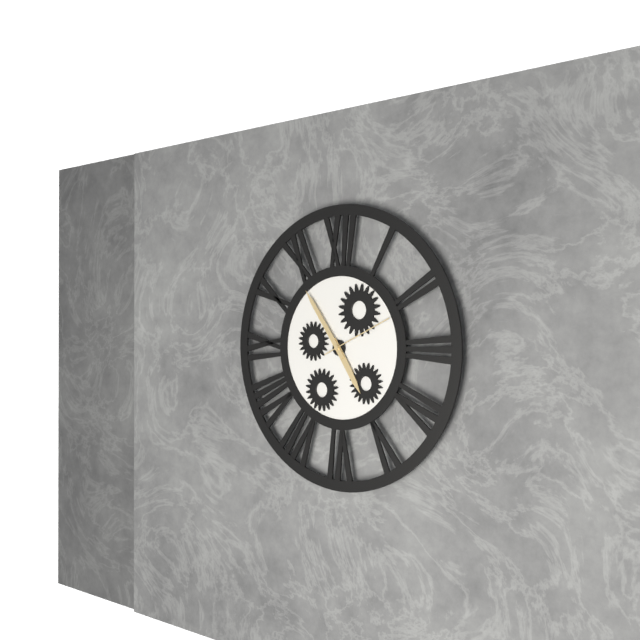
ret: **4:54:11**
